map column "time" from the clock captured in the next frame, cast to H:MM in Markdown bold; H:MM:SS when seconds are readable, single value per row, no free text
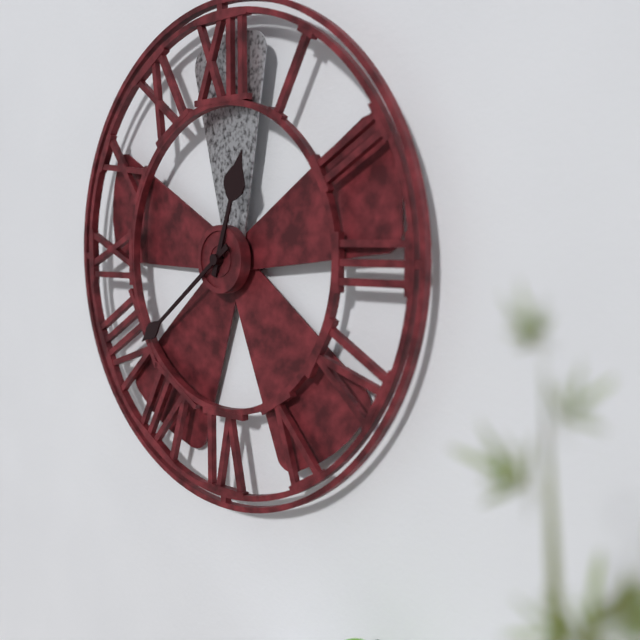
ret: **12:39**
